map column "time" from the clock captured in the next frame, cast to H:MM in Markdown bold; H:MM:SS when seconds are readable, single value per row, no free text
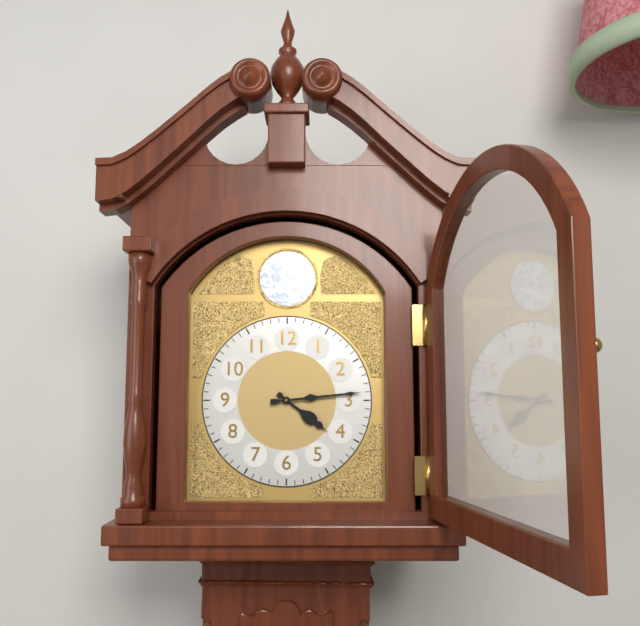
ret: **4:14**
